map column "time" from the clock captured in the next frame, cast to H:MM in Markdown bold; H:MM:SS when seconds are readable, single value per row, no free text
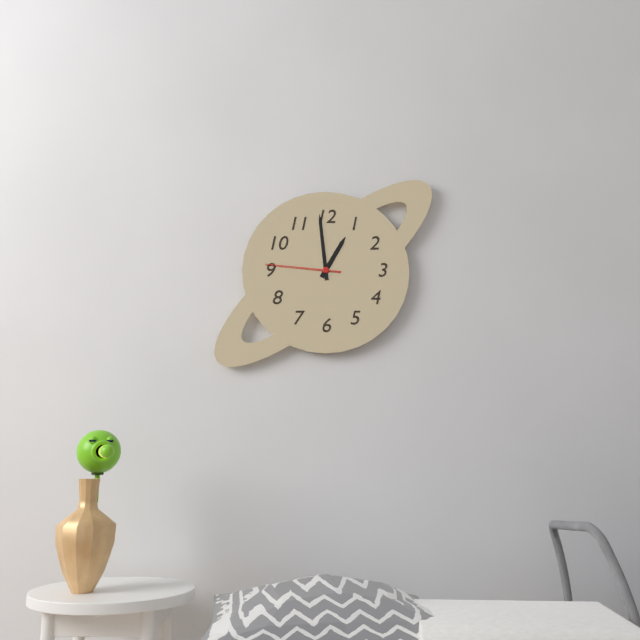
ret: **12:59:46**
